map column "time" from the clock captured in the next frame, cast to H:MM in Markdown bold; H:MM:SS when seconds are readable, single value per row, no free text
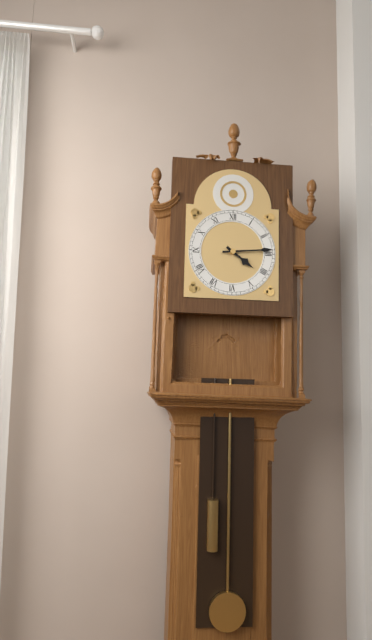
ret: **4:14**
